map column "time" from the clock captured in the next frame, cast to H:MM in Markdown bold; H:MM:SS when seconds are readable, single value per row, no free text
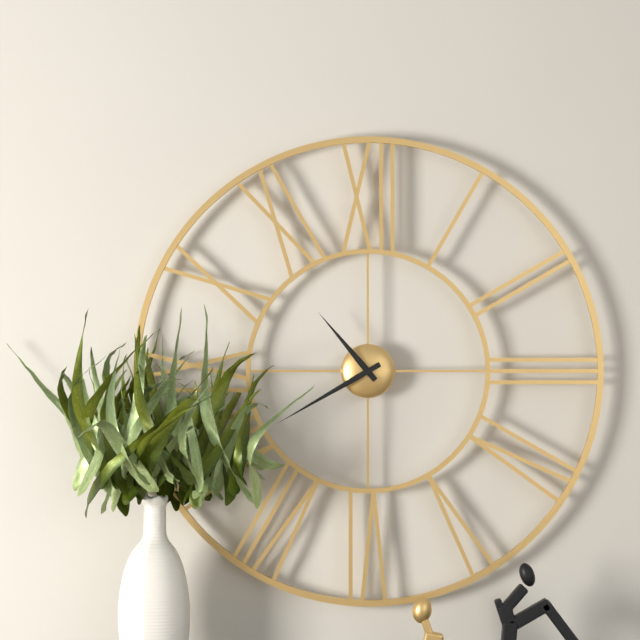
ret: **10:40**
